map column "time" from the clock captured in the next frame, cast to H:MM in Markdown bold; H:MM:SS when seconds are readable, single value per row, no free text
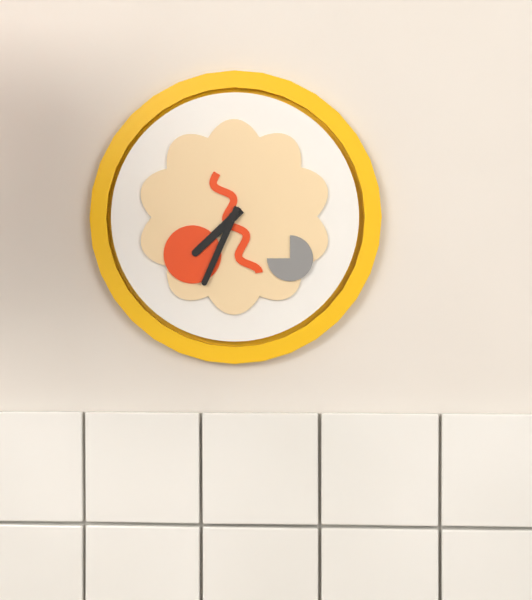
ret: **7:34**
